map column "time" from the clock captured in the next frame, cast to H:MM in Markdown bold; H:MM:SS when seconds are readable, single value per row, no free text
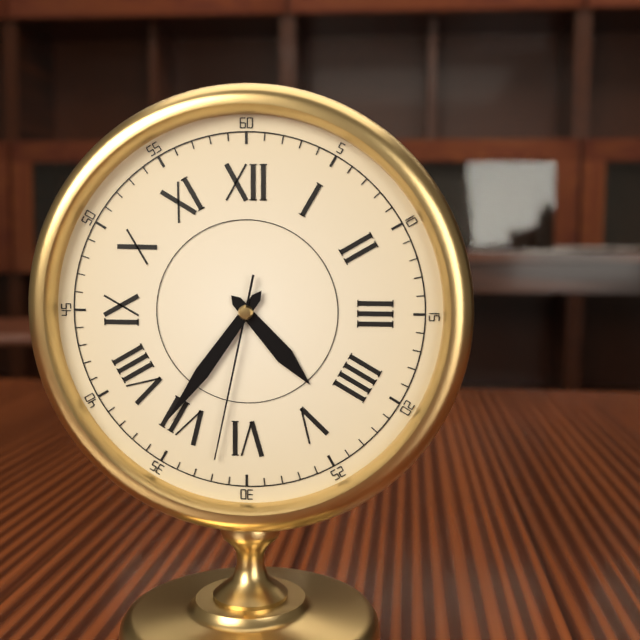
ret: **4:36:32**
